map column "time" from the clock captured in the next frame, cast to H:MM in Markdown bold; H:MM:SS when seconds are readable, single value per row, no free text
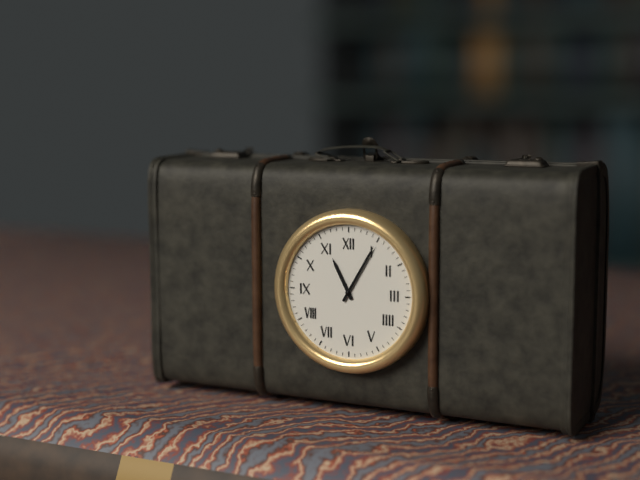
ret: **11:05**
